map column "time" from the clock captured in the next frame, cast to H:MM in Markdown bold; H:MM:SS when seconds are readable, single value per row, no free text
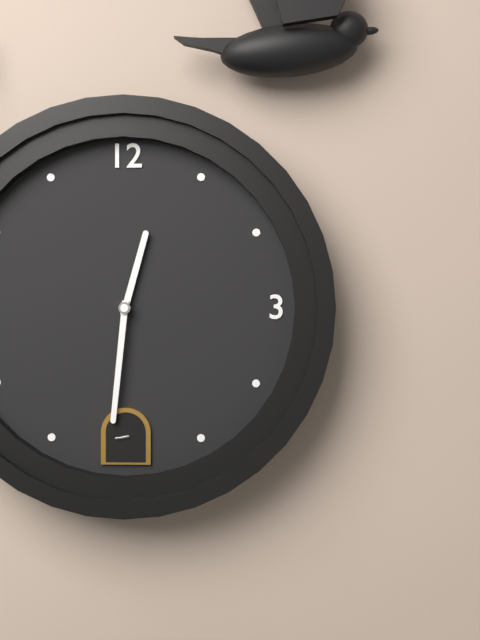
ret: **12:31**
